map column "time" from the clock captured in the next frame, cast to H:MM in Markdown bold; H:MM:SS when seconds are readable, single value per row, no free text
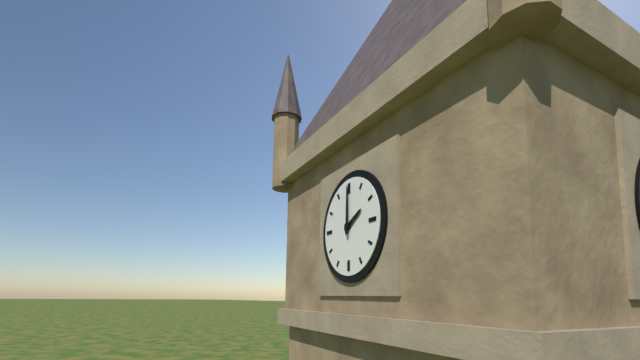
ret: **2:00**
